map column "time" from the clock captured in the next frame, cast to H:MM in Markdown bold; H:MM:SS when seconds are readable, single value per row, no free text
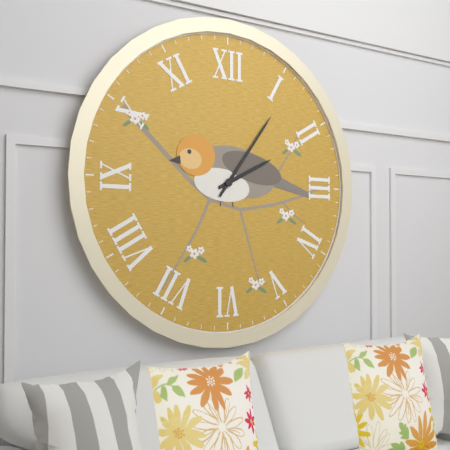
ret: **2:06**
